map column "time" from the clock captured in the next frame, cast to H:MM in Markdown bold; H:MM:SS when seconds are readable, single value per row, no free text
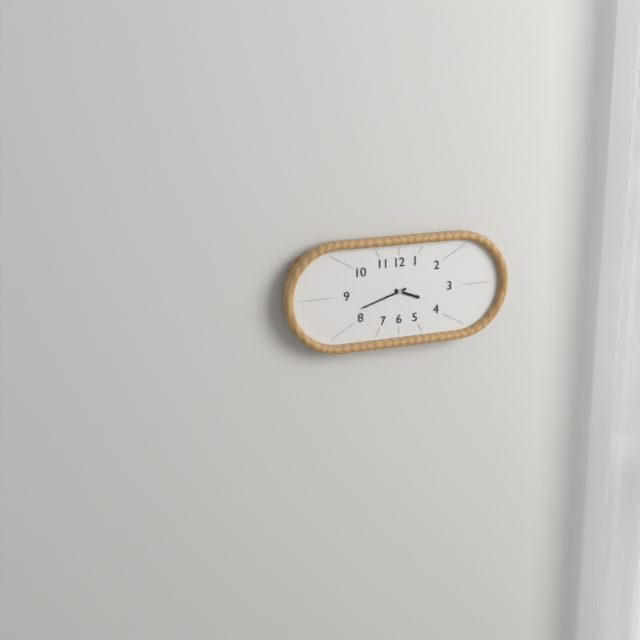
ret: **3:42**
